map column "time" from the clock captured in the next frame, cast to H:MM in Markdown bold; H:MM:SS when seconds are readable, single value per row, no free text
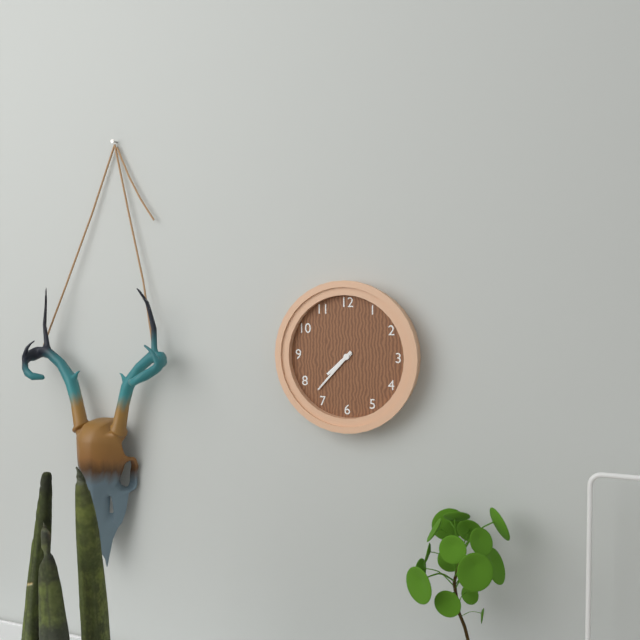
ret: **7:37**
